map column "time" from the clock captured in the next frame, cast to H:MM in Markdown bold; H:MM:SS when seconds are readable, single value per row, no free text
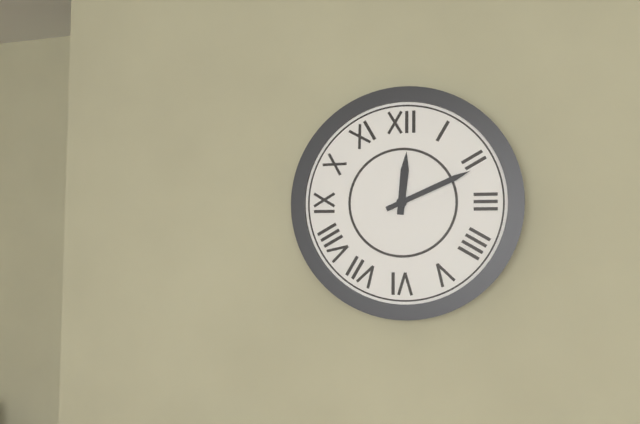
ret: **12:11**
